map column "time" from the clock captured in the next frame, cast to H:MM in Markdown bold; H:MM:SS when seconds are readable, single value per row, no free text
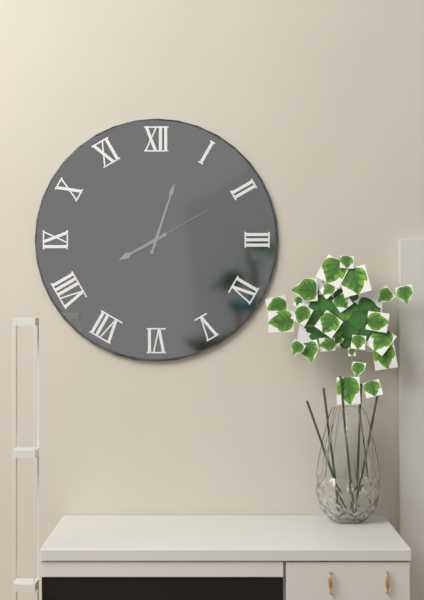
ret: **8:03:10**
